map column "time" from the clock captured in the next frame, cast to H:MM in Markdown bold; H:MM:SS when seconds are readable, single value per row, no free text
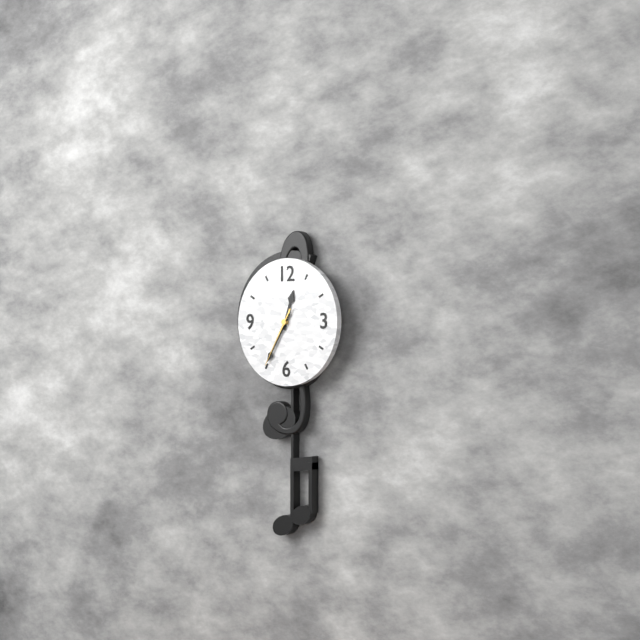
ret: **12:35:35**
